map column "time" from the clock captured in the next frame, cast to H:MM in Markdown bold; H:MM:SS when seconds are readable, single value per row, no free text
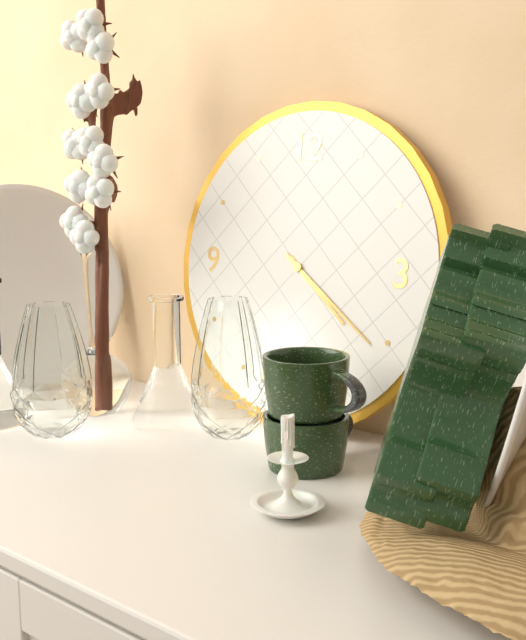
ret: **4:21**
